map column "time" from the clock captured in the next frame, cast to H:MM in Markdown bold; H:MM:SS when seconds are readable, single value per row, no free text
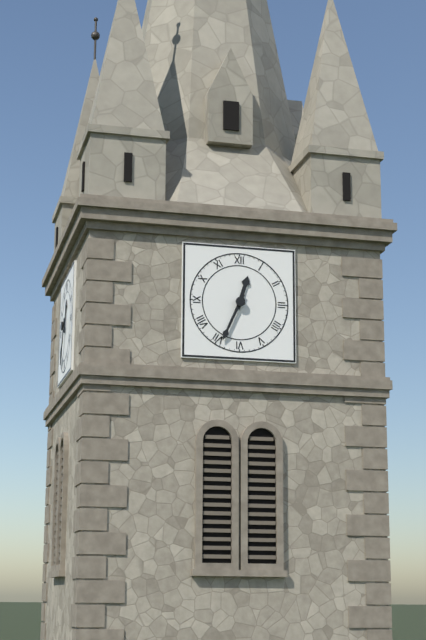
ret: **12:34**
